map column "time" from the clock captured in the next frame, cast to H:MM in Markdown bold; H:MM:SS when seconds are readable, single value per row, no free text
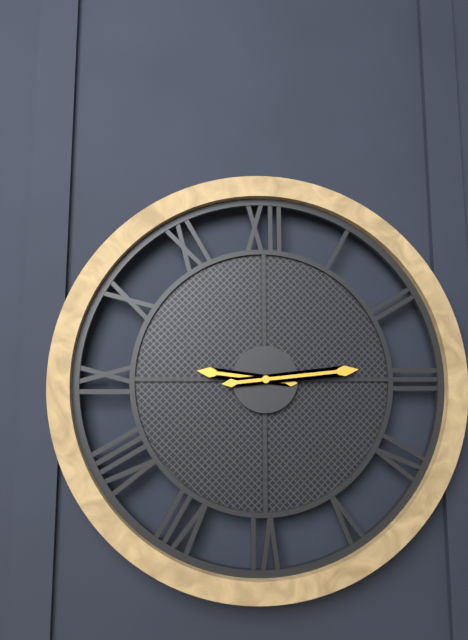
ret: **9:14**
